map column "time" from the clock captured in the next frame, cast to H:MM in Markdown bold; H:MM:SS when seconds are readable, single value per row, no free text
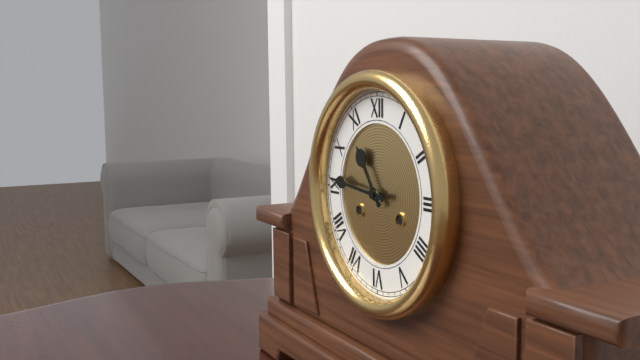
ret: **10:46**
